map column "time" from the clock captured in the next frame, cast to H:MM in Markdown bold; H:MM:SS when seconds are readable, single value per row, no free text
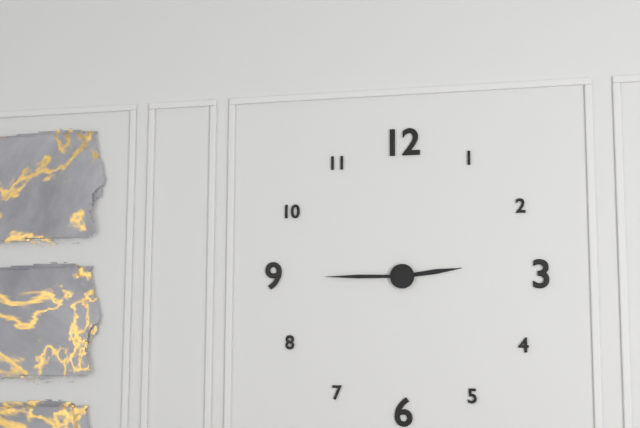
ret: **2:45**
